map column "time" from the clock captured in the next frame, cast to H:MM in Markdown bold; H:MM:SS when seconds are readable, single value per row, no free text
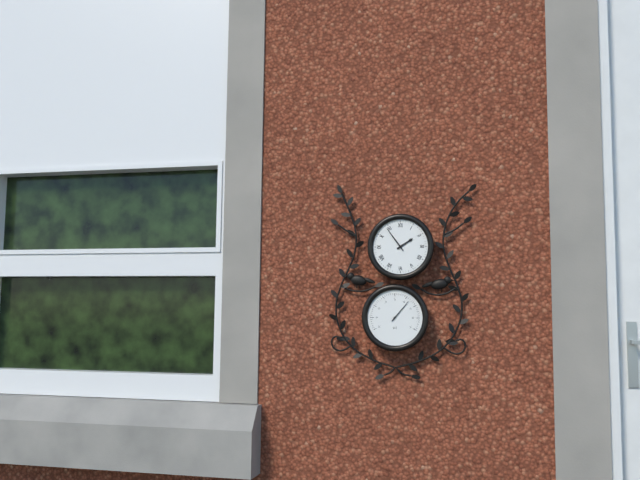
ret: **1:54**
